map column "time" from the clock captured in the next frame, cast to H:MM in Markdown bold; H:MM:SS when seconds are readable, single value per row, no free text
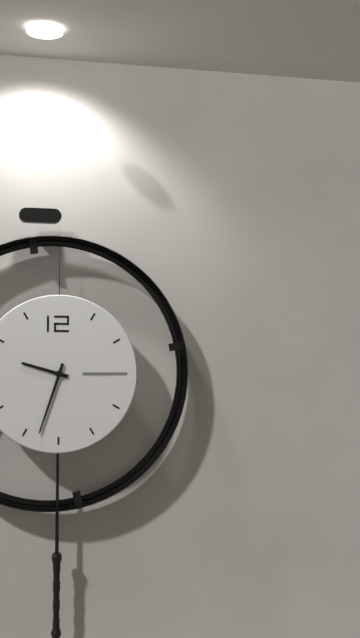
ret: **9:33**
